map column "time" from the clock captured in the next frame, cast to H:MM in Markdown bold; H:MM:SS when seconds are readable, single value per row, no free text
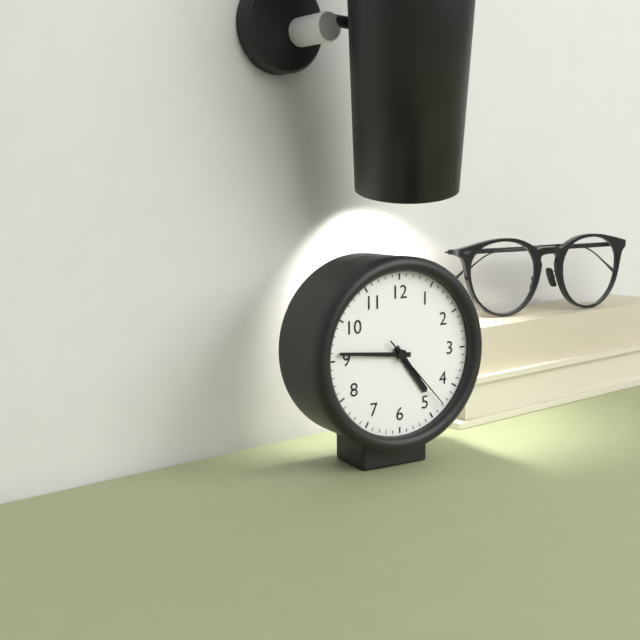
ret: **4:46:23**
